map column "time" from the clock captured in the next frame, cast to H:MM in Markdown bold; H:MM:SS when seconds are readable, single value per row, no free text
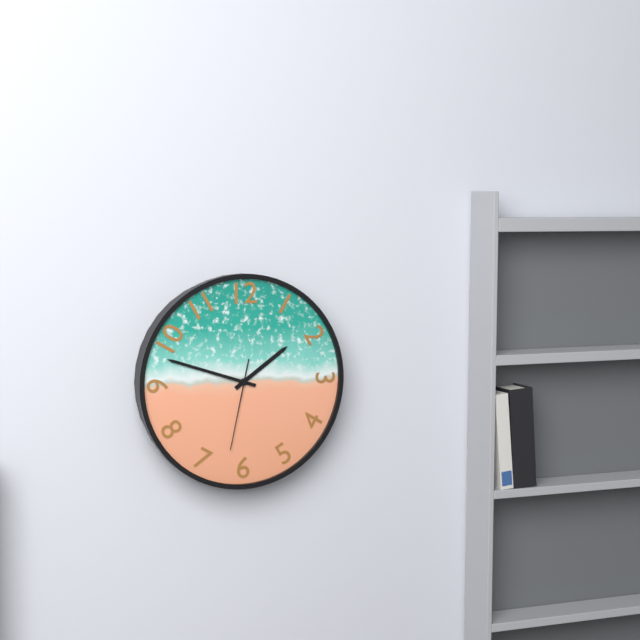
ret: **1:48:32**
